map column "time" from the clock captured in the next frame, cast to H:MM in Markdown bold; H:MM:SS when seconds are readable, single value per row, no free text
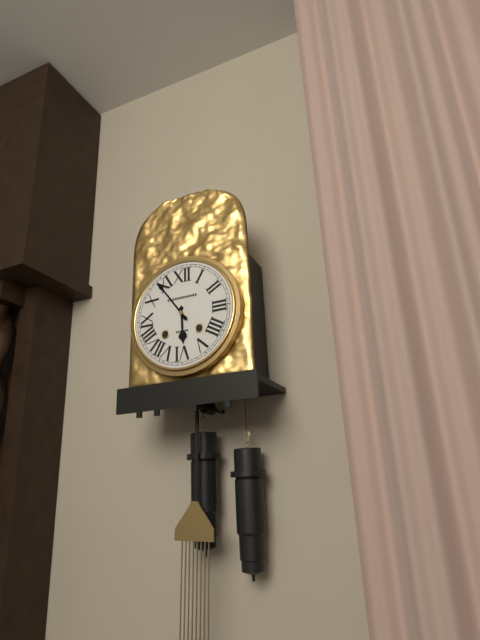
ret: **5:54**
